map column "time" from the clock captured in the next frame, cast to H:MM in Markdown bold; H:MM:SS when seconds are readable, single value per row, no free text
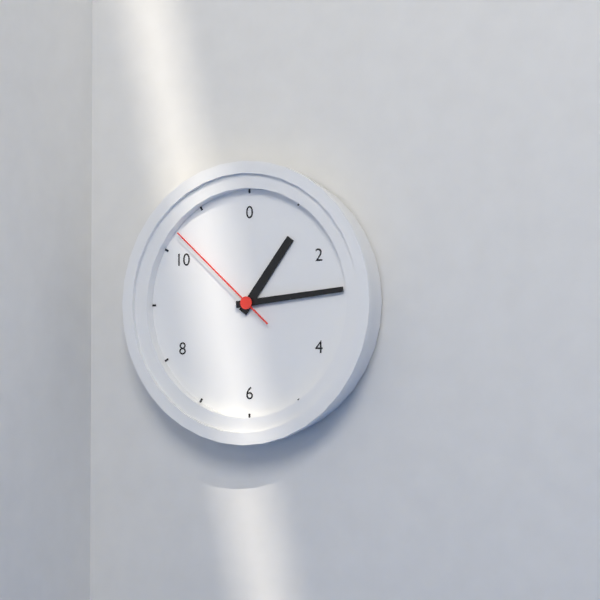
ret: **1:14:52**
